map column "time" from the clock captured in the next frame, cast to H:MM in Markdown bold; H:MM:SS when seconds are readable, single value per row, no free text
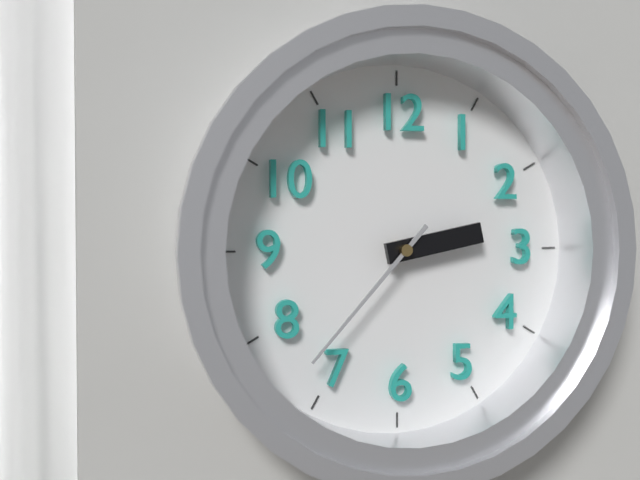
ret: **2:37**
